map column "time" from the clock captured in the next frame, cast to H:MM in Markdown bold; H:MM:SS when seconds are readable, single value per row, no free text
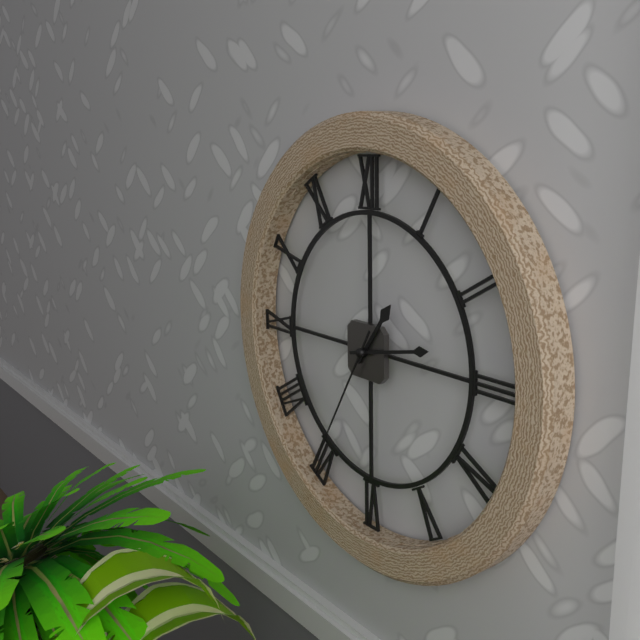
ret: **1:13:35**
